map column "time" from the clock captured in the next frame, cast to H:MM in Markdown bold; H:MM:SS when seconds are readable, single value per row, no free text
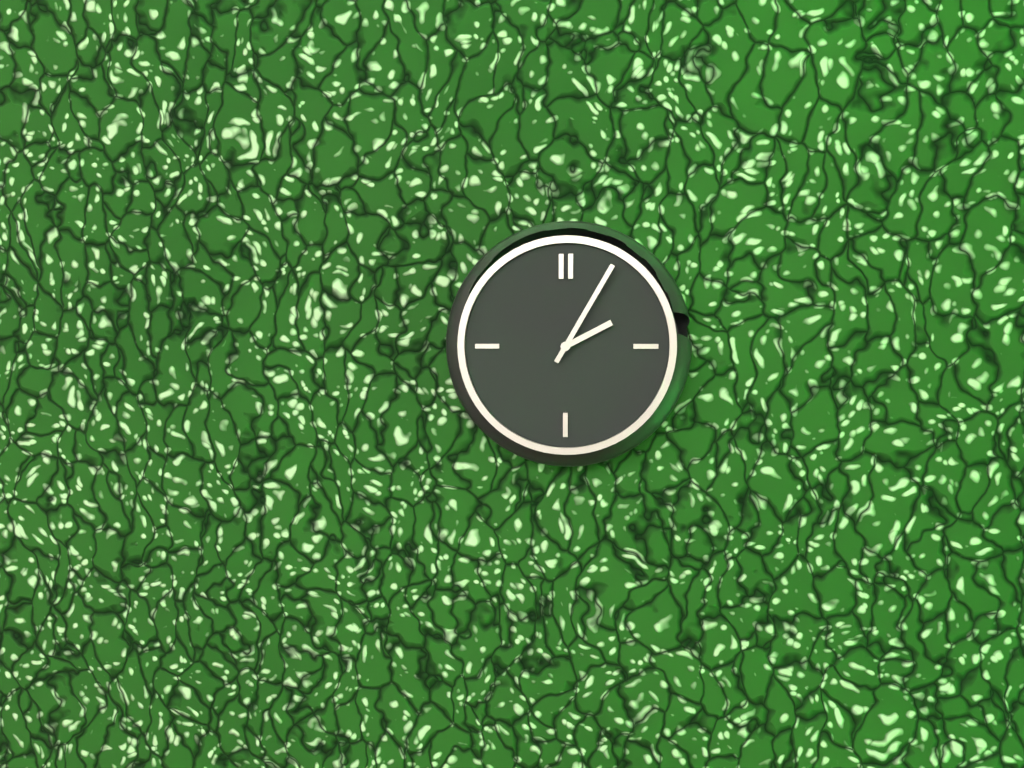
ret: **2:05**
